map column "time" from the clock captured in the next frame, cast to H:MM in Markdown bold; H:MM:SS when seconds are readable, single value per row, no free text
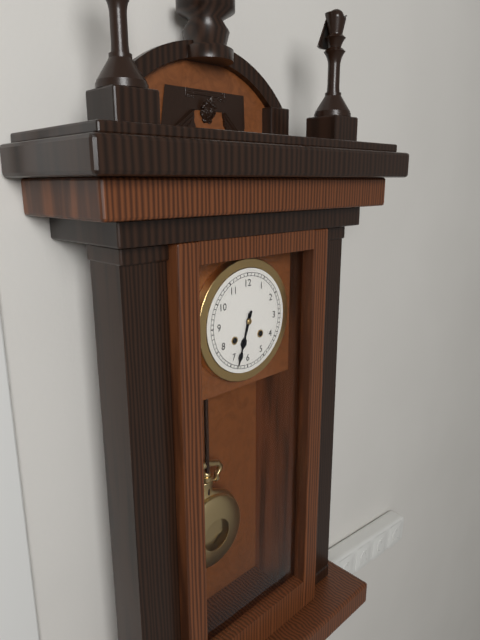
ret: **6:33**
